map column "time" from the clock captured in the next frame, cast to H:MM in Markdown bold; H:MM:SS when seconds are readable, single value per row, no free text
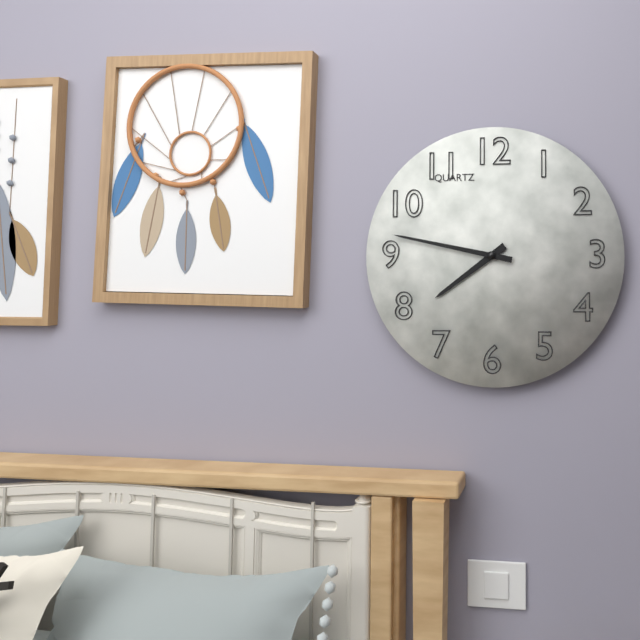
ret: **7:47**
